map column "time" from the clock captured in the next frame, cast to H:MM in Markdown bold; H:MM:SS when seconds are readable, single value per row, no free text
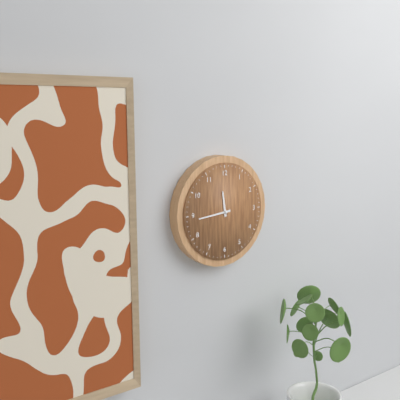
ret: **11:44**
